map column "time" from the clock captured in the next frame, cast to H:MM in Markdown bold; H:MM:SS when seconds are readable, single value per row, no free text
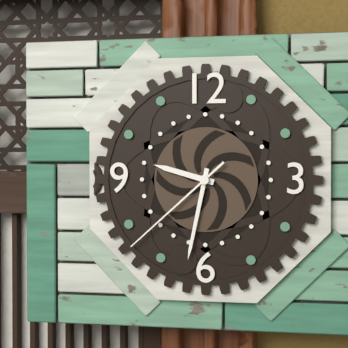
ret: **9:32:38**
